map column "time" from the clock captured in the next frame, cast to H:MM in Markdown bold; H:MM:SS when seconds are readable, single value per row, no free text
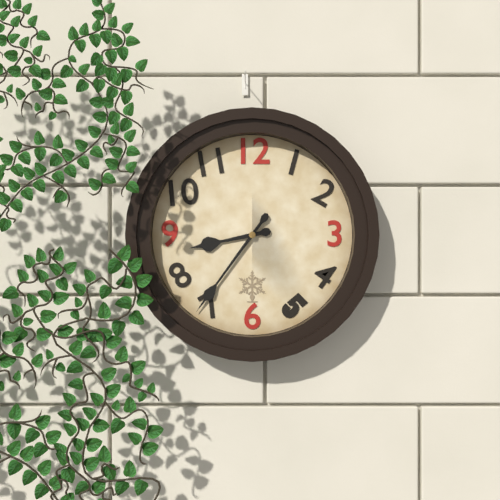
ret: **8:36**
